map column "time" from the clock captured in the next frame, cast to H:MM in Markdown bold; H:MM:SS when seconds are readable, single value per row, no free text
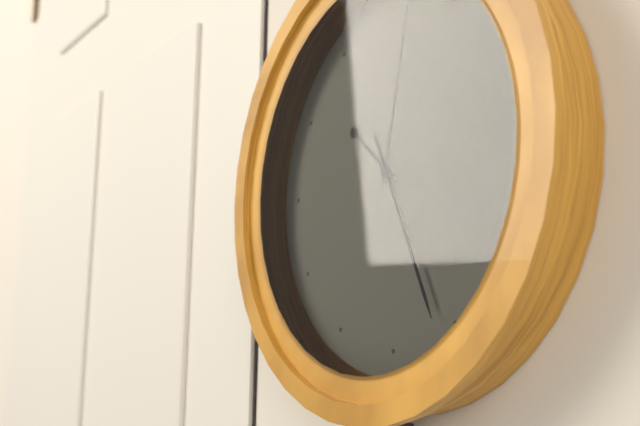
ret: **10:26**
